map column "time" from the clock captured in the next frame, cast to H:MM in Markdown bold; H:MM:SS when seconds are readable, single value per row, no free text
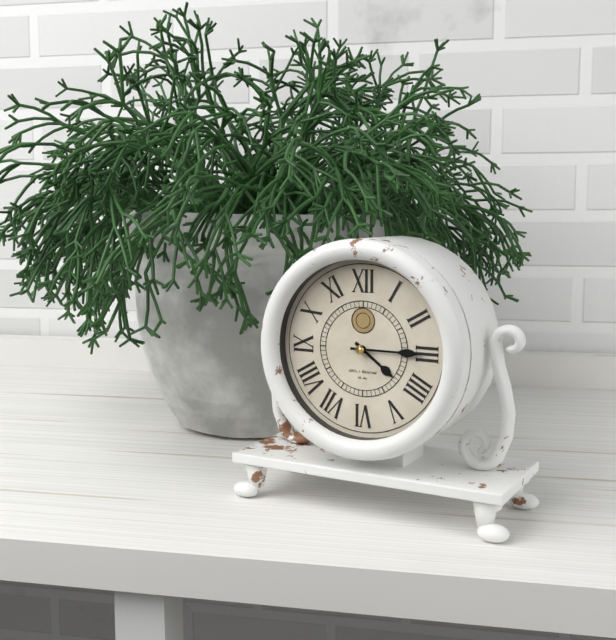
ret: **4:15**
